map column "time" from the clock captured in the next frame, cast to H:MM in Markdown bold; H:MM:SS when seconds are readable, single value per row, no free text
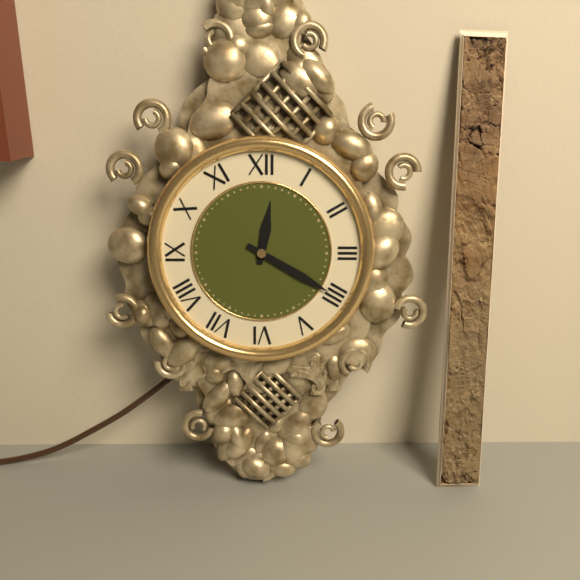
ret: **12:20**
